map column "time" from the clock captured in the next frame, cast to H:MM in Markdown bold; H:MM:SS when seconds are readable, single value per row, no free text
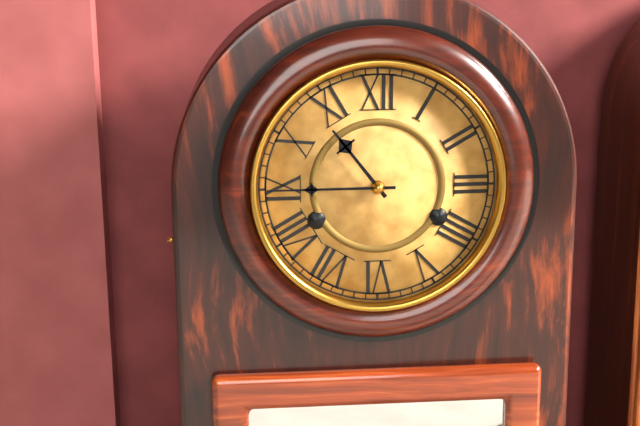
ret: **10:45**
